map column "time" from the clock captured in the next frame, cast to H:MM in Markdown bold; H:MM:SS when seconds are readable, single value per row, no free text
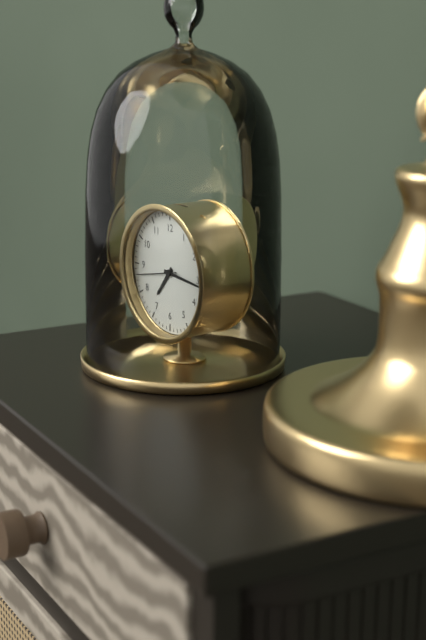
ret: **7:16**
